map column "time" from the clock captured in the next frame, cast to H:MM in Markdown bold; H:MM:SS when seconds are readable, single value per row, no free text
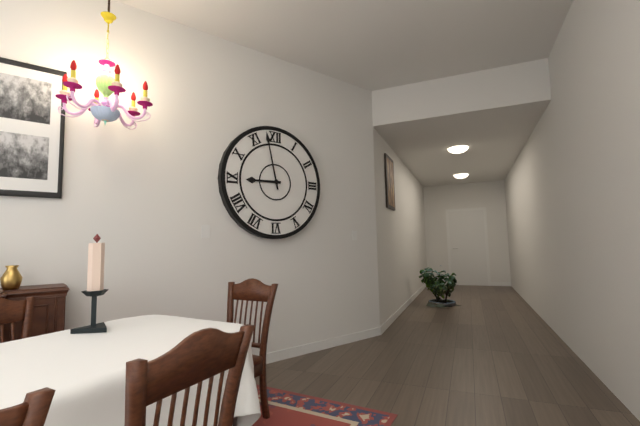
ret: **8:58**
